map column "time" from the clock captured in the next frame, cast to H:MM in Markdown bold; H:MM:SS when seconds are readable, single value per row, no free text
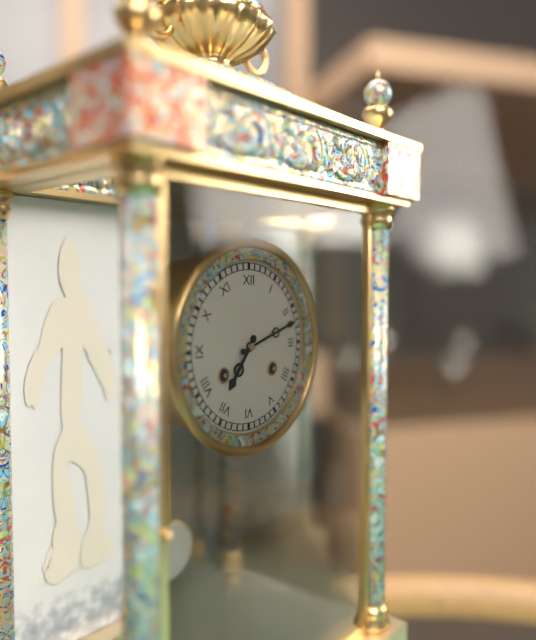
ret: **7:12**
